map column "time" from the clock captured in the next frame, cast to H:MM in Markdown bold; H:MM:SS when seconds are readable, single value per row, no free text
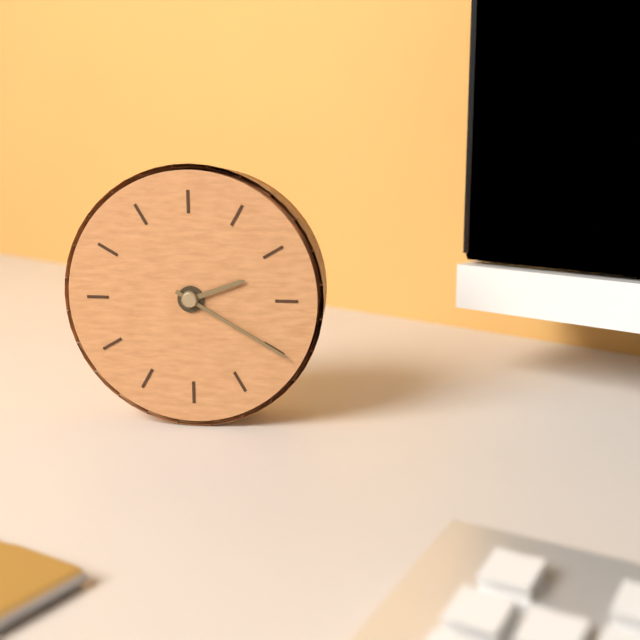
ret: **2:20**
